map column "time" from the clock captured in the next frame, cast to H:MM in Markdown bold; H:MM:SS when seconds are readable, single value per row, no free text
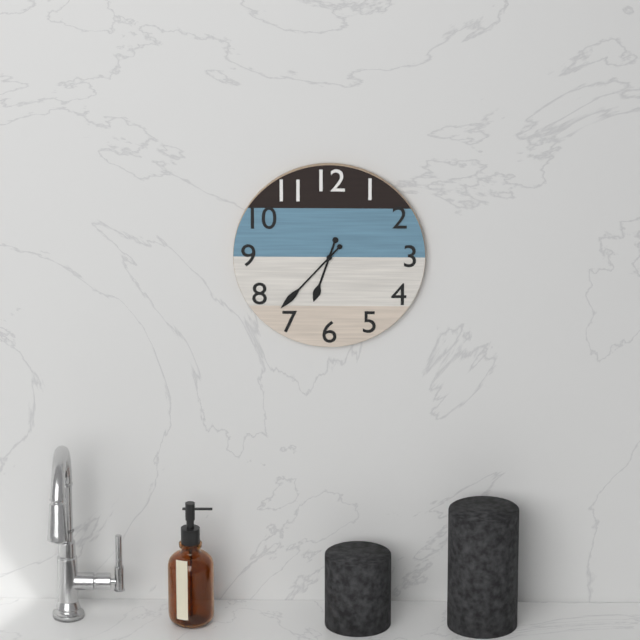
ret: **6:37**
